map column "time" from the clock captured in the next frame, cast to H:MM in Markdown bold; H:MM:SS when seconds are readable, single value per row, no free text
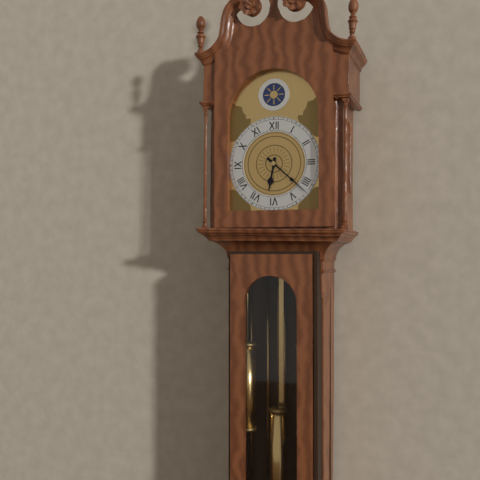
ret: **6:22**
